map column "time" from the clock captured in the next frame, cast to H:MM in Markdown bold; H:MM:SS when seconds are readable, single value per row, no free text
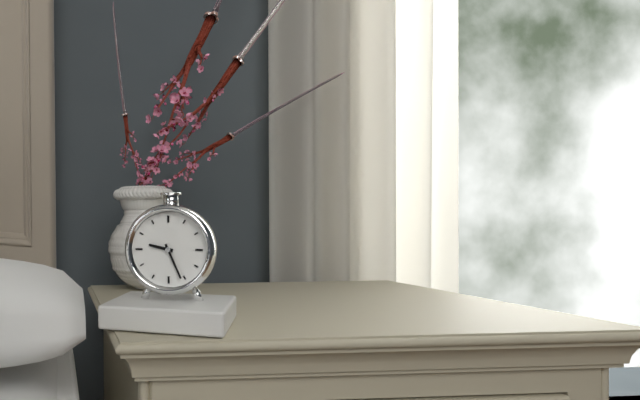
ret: **9:26**
